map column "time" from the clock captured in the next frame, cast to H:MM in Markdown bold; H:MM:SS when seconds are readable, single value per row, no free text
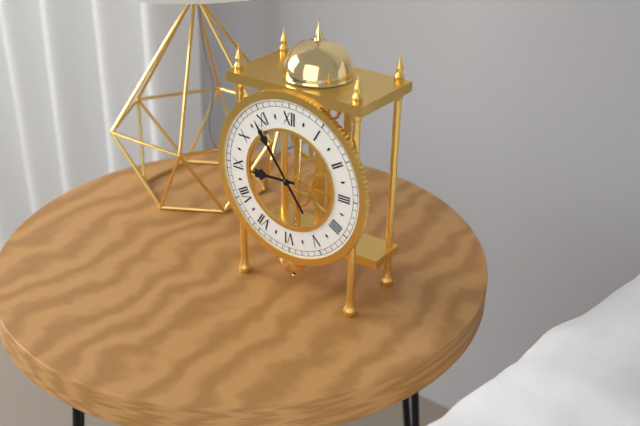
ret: **8:54**
